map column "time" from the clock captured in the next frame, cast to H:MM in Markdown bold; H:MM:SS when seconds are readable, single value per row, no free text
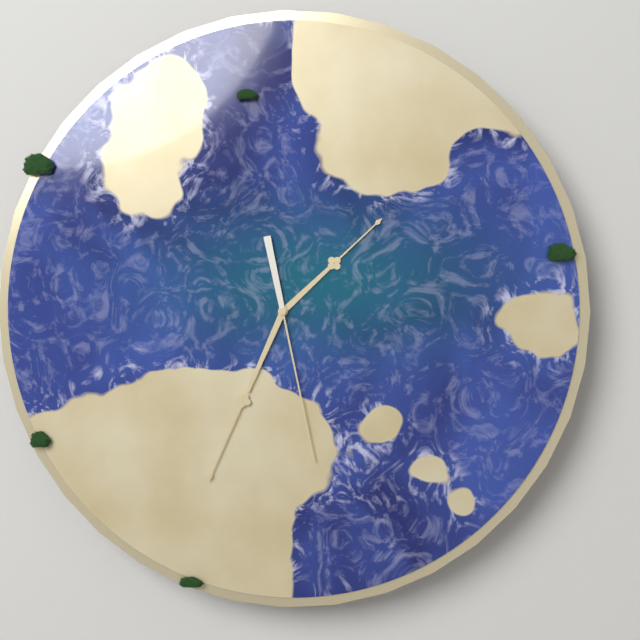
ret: **1:34:28**
